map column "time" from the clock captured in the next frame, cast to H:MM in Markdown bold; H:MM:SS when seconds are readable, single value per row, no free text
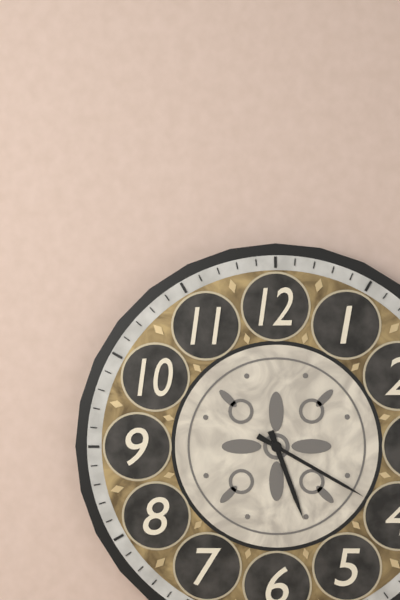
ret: **5:20**
